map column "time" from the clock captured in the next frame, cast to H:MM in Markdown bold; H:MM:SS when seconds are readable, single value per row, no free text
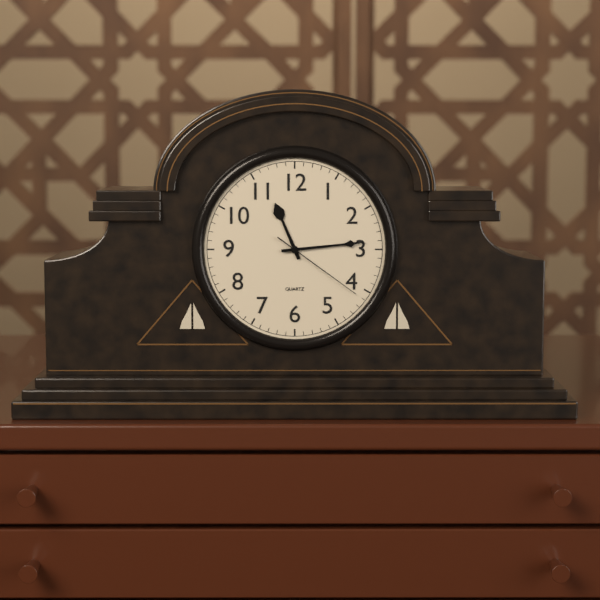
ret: **11:14:21**
